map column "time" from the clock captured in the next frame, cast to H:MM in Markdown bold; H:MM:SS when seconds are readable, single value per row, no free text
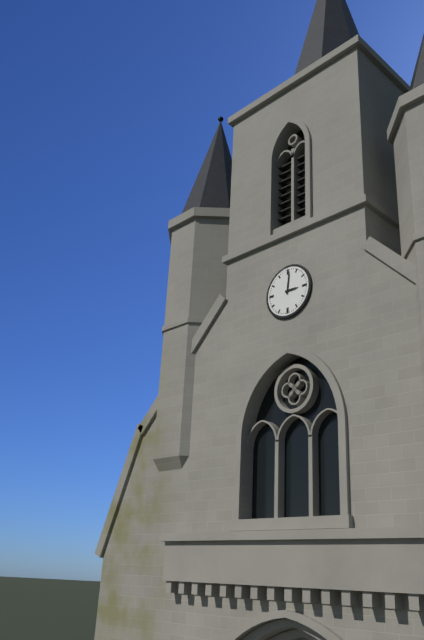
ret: **3:01**
